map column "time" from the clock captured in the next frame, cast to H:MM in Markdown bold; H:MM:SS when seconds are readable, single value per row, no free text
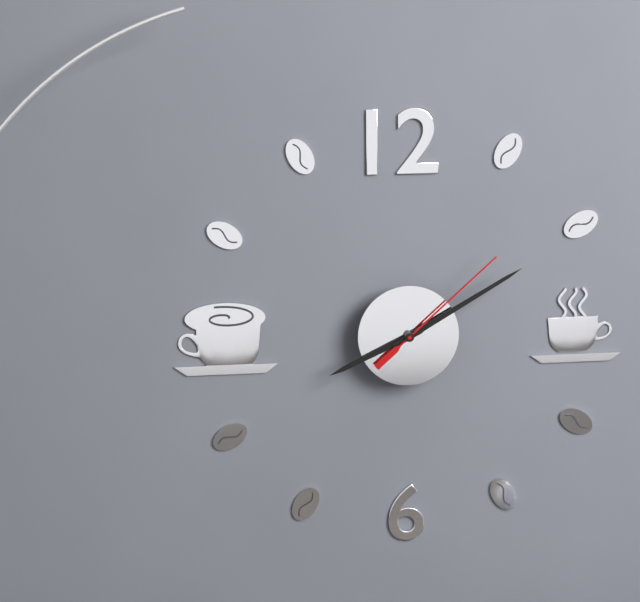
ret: **8:10:08**
